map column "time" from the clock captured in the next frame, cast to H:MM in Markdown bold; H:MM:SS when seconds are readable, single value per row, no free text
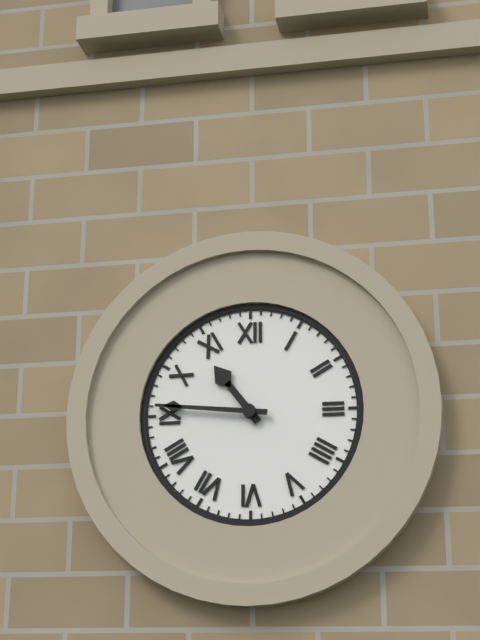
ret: **10:46**
